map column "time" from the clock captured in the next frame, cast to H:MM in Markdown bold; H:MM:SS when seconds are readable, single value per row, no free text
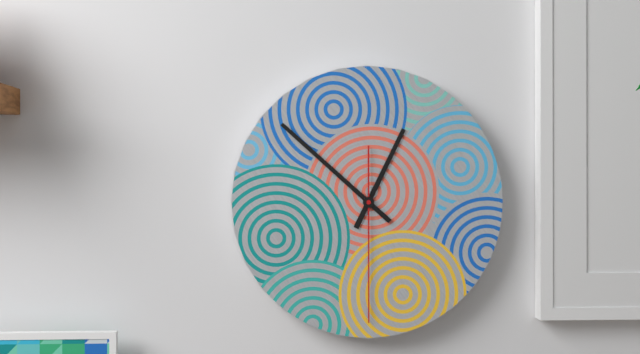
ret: **12:52:30**
